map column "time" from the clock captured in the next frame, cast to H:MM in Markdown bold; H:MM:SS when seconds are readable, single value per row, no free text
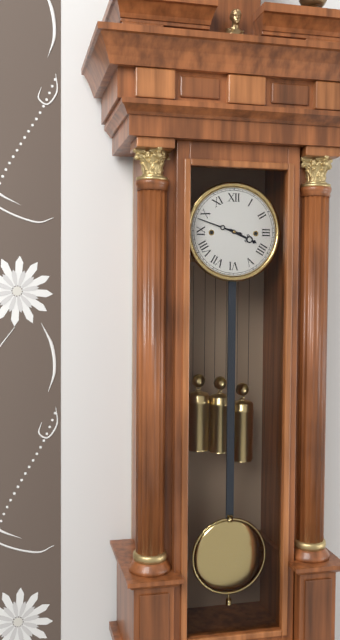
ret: **3:48**
